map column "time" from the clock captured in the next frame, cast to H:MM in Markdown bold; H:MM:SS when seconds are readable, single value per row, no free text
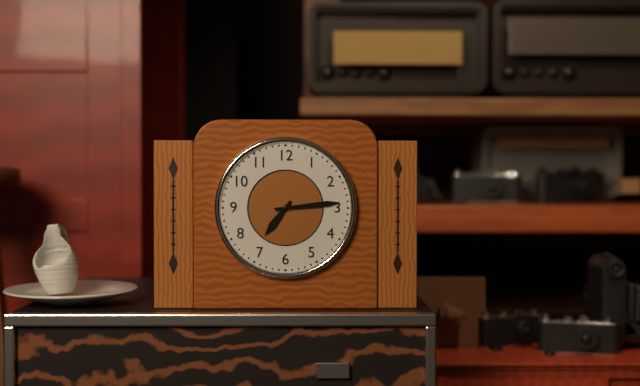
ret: **7:14**
